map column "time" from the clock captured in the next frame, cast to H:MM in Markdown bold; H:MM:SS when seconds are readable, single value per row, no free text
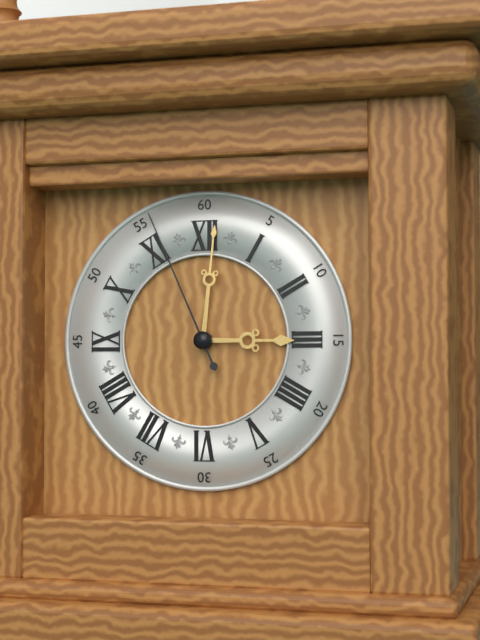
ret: **3:01:56**
